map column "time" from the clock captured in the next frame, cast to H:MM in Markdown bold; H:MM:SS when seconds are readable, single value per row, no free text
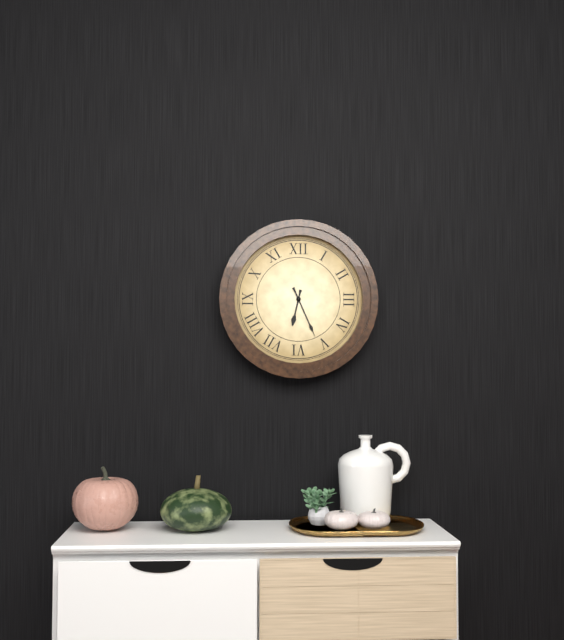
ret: **6:26**
